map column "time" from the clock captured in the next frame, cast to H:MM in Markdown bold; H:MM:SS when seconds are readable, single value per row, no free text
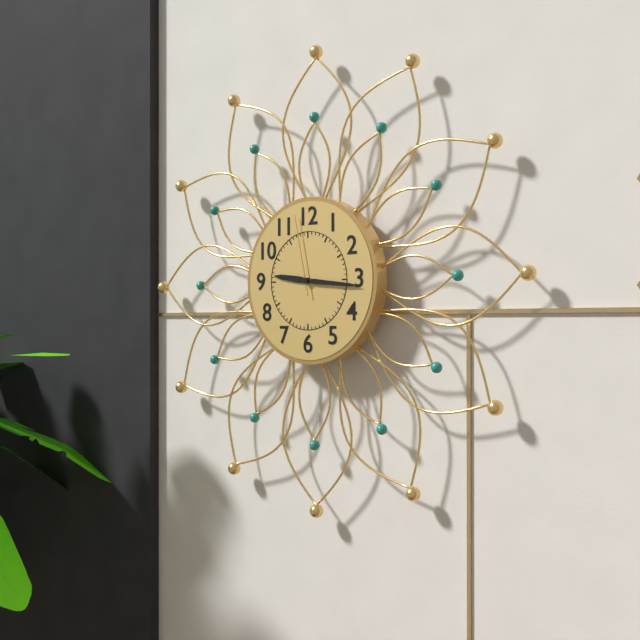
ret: **9:16:58**
